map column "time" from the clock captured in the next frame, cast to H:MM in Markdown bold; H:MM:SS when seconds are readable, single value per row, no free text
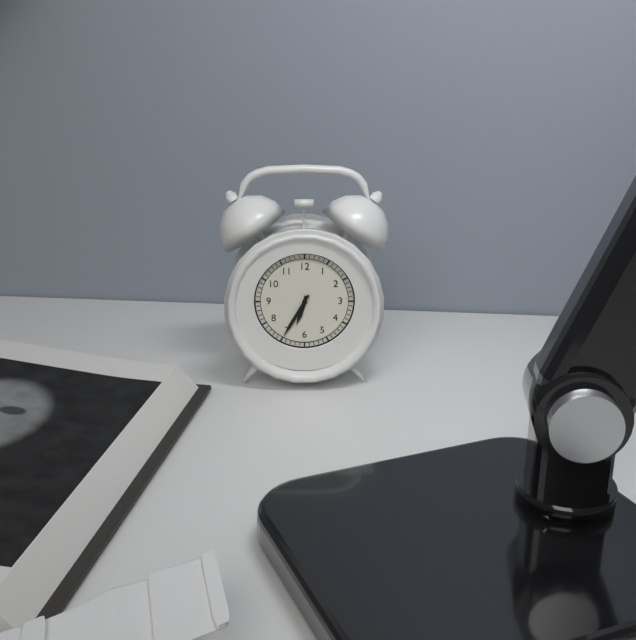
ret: **6:35**
